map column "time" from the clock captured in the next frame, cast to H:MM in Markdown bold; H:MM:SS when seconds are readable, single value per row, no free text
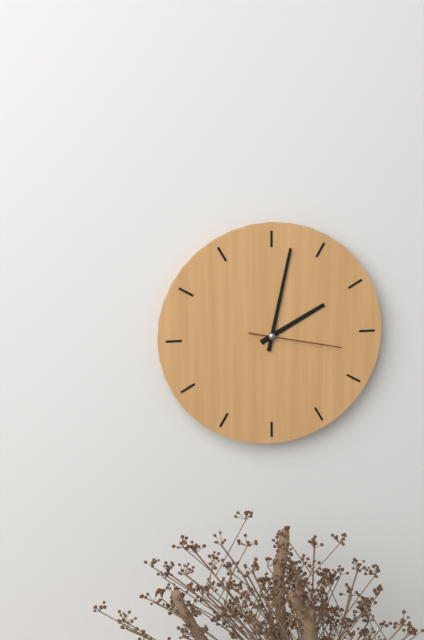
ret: **2:02:17**
